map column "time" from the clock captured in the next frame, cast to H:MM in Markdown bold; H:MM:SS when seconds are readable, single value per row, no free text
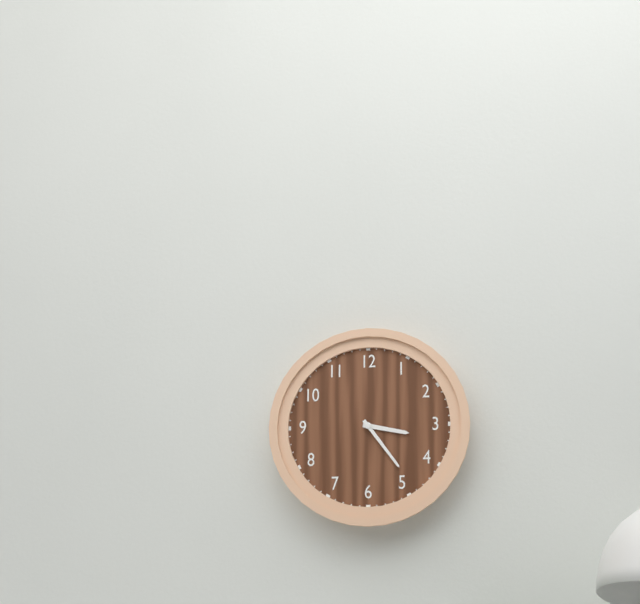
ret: **3:24**
